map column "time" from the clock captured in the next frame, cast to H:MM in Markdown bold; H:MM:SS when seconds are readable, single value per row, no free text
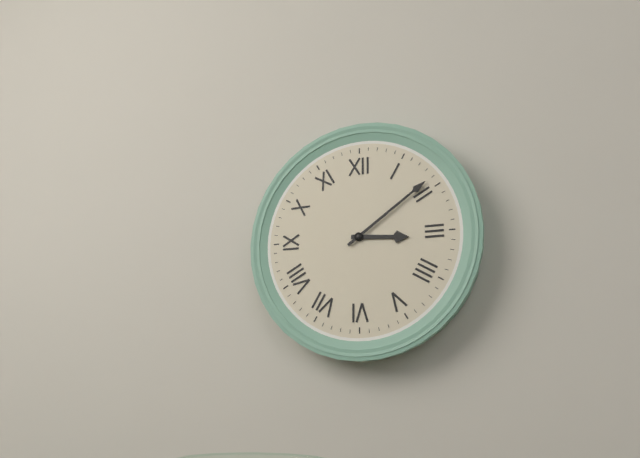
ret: **3:09**
